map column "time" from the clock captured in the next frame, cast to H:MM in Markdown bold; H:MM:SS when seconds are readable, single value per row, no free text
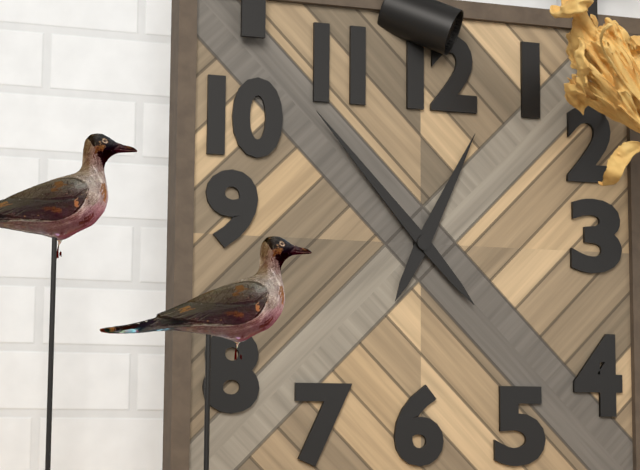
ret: **12:53**
